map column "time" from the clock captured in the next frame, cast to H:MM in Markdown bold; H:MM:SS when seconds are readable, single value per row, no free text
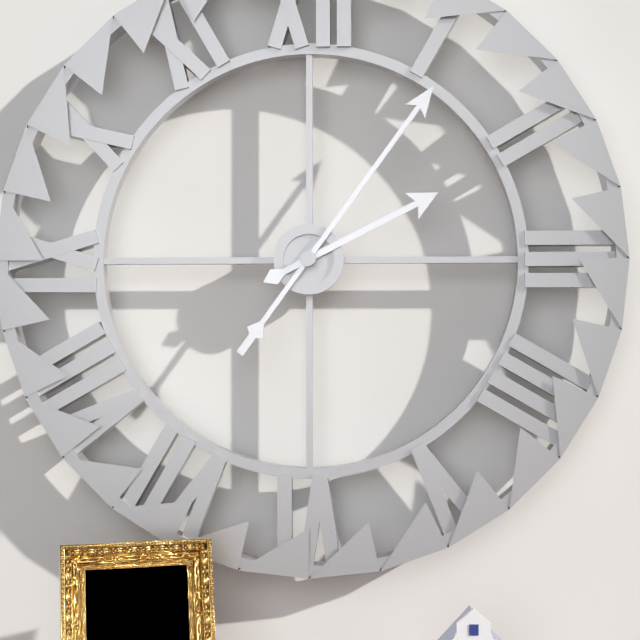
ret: **2:06**
